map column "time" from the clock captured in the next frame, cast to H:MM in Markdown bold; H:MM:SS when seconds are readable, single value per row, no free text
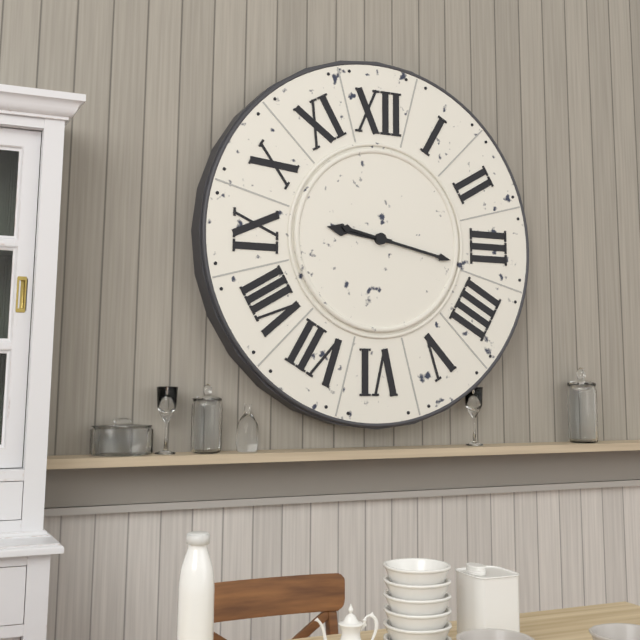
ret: **9:17**
